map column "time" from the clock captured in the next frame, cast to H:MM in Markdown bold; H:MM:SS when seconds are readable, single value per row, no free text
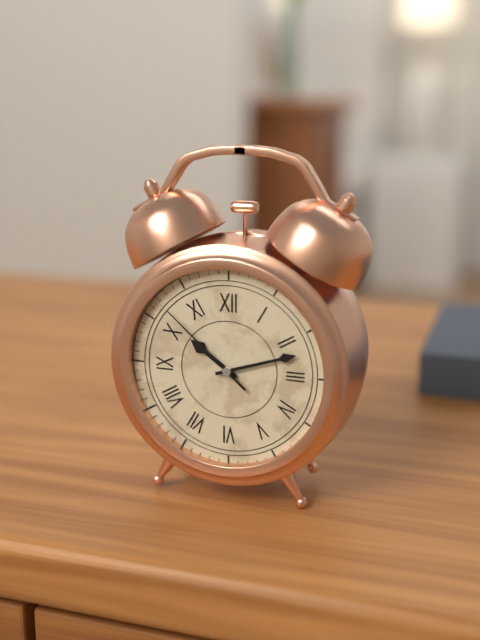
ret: **10:12:52**
